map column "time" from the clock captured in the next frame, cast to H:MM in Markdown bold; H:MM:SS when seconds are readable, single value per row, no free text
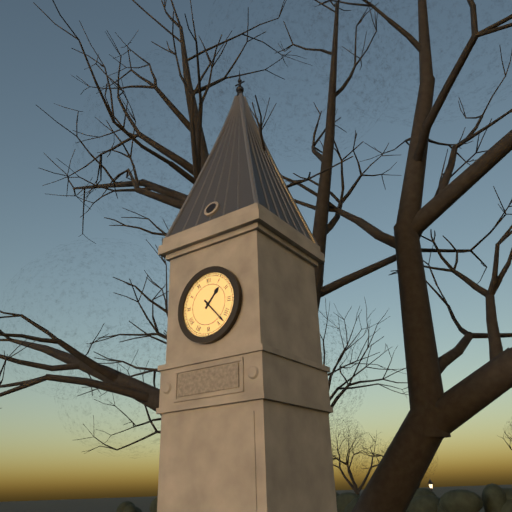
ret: **1:23**
